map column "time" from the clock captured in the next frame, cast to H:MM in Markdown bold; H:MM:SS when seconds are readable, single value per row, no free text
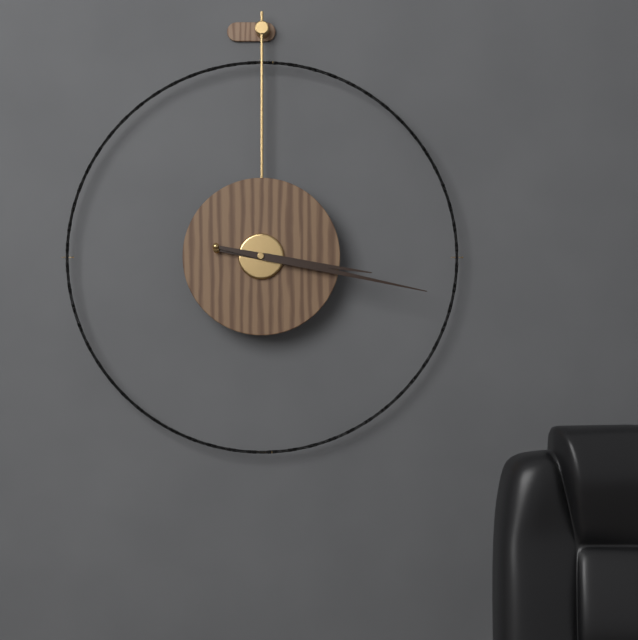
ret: **3:17**
